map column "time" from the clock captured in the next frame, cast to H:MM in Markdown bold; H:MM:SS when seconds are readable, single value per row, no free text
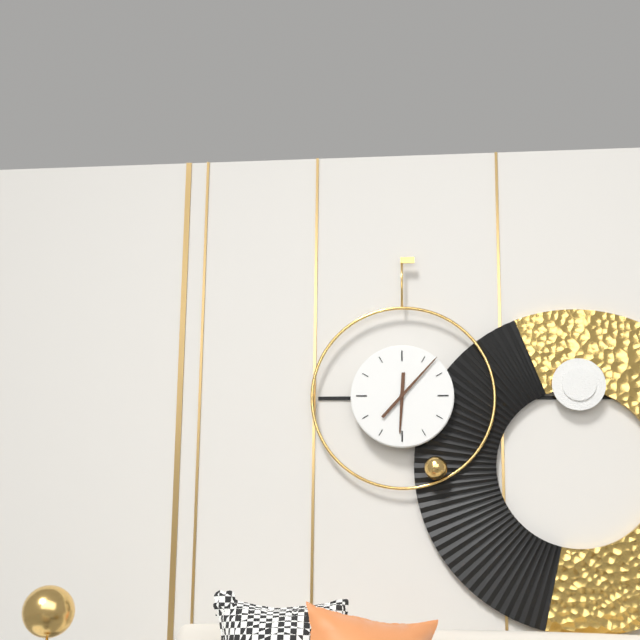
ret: **6:07**
